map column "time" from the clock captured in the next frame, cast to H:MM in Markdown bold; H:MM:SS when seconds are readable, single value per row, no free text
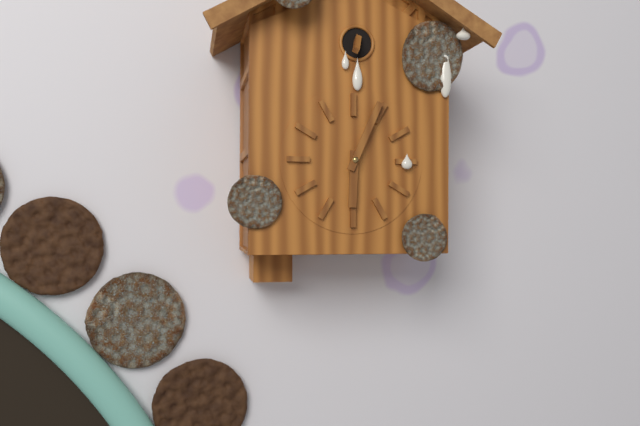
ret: **6:04**
